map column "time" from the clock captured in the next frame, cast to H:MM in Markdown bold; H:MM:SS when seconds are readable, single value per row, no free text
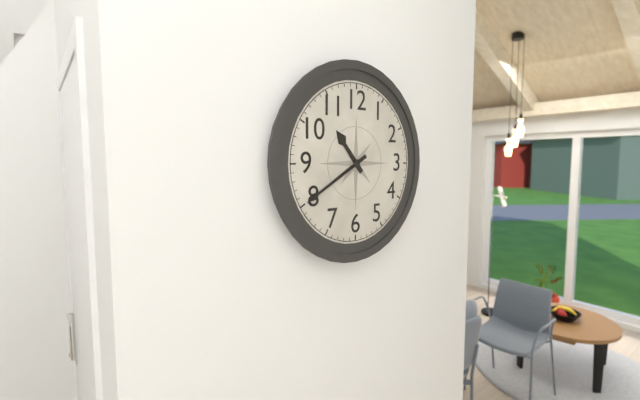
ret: **10:40**
